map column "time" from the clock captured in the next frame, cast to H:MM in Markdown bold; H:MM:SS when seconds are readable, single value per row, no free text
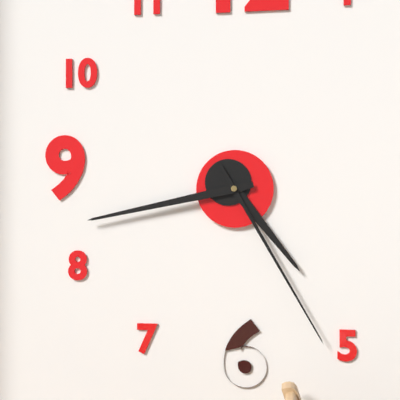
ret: **4:43:25**
